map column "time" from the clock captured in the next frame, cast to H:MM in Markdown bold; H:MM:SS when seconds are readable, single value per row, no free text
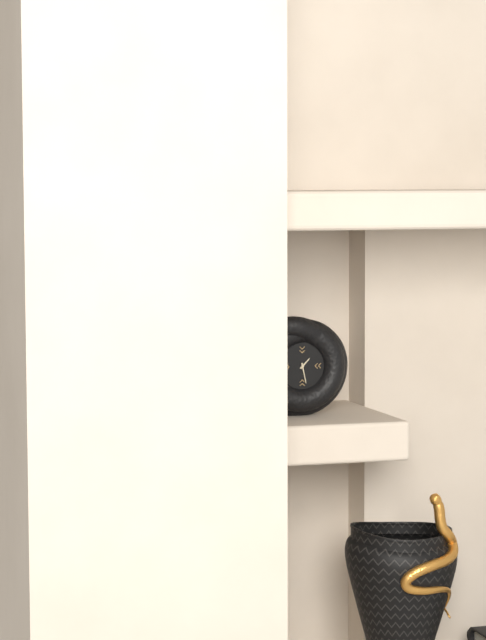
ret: **1:28**
